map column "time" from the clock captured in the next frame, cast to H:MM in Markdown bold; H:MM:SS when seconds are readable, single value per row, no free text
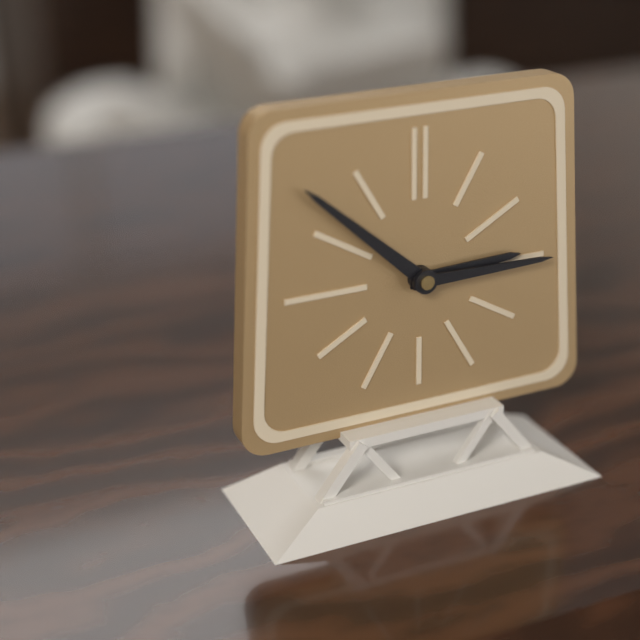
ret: **2:52:15**
